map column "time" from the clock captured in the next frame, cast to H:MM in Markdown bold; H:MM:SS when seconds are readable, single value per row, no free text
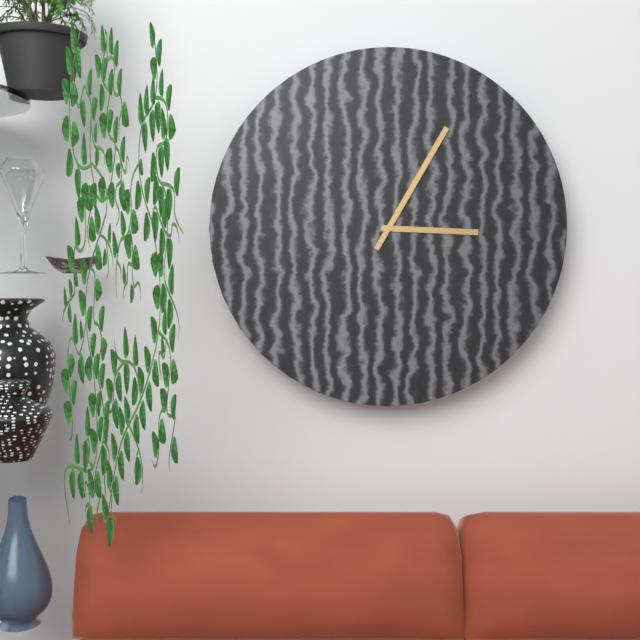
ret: **3:05**
